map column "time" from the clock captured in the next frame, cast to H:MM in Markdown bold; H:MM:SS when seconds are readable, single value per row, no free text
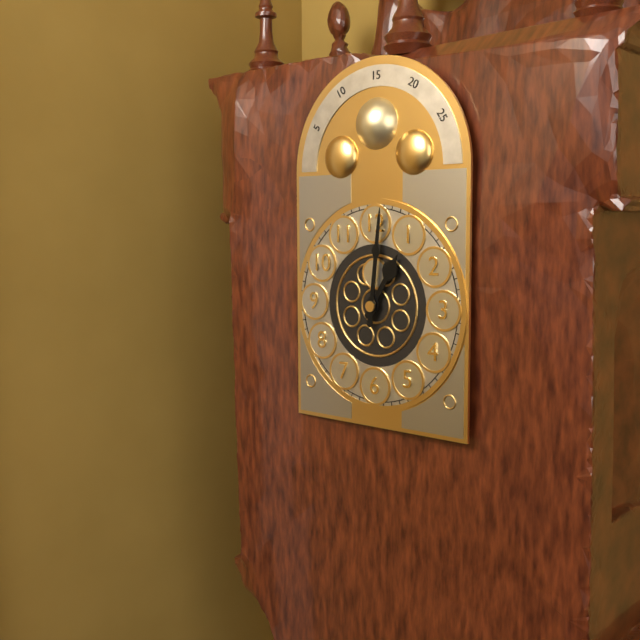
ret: **1:01**
